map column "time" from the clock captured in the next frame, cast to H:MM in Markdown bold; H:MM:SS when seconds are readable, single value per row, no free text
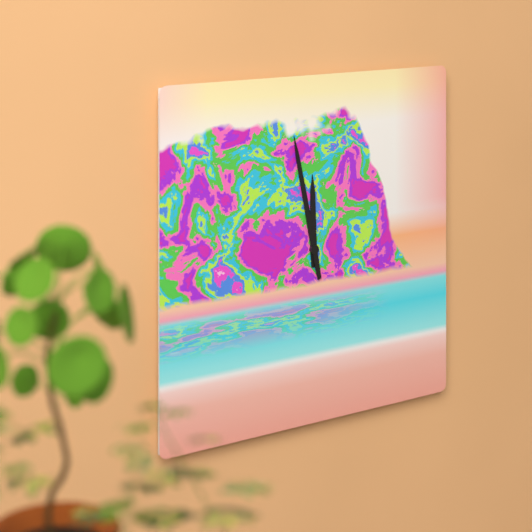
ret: **11:58**
